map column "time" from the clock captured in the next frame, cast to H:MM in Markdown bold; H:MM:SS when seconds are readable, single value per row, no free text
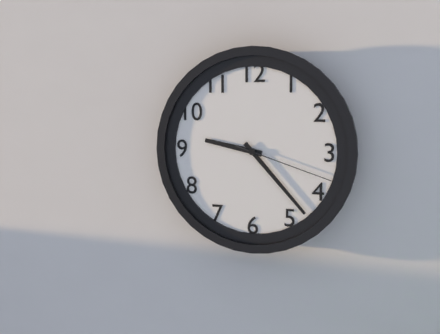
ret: **9:23:18**
